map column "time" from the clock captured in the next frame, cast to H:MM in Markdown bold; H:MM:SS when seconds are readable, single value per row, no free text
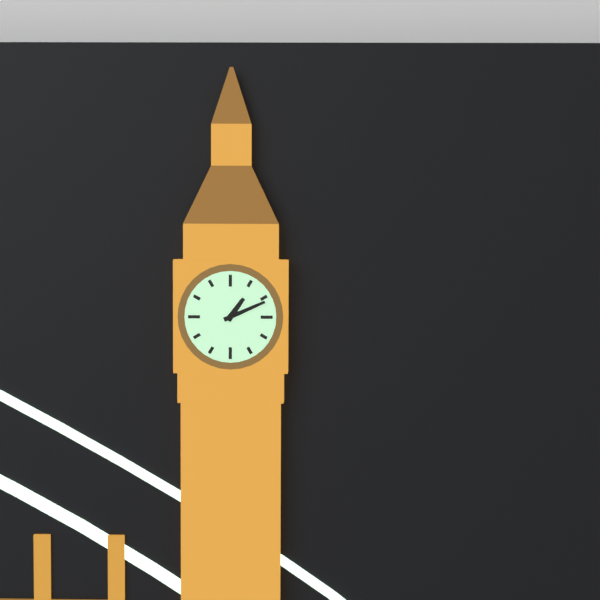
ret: **1:11**
